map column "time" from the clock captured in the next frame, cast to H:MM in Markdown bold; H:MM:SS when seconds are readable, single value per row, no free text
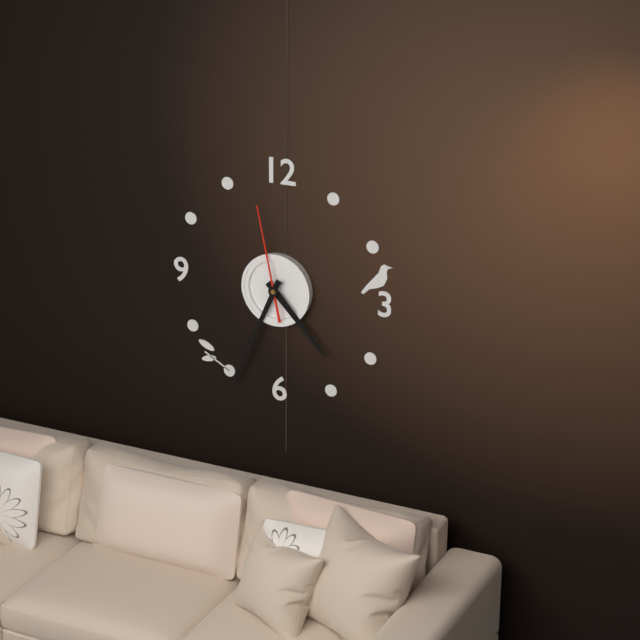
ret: **4:34:58**
